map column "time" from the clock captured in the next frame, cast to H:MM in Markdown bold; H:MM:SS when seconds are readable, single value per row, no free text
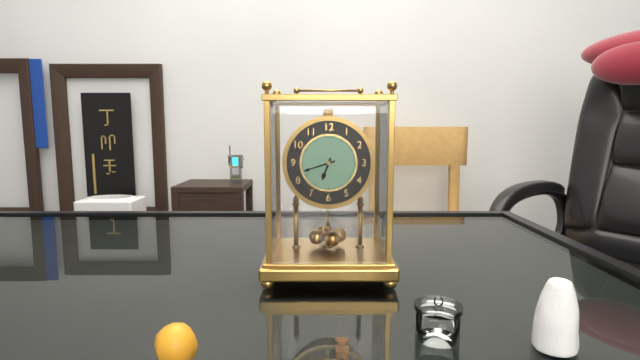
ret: **6:42**
